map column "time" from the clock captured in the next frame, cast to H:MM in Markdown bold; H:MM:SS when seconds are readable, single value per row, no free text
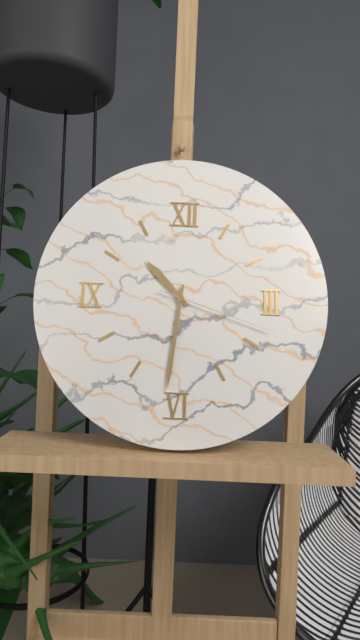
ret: **10:31:18**
